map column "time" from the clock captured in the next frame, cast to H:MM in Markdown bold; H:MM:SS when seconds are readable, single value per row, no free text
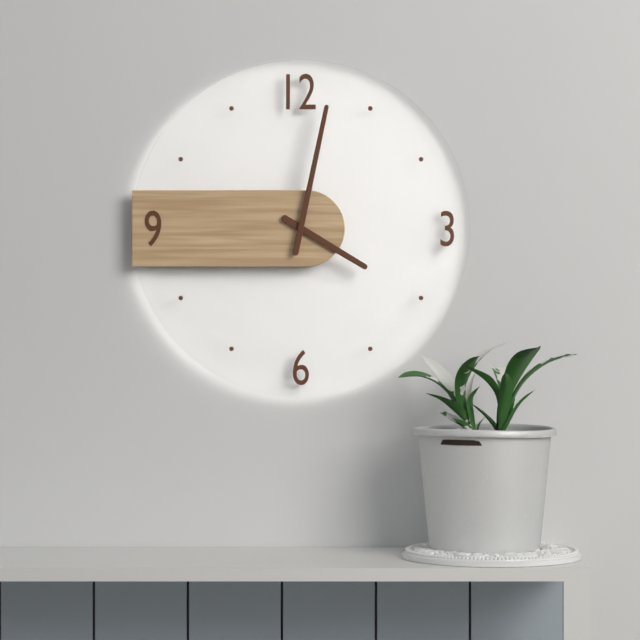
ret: **4:02**
